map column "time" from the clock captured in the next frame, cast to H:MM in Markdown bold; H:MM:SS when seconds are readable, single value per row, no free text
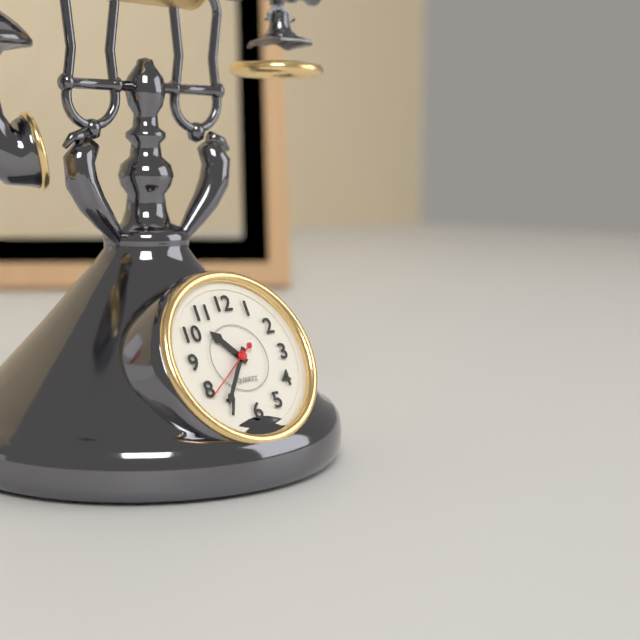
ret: **10:36:39**
